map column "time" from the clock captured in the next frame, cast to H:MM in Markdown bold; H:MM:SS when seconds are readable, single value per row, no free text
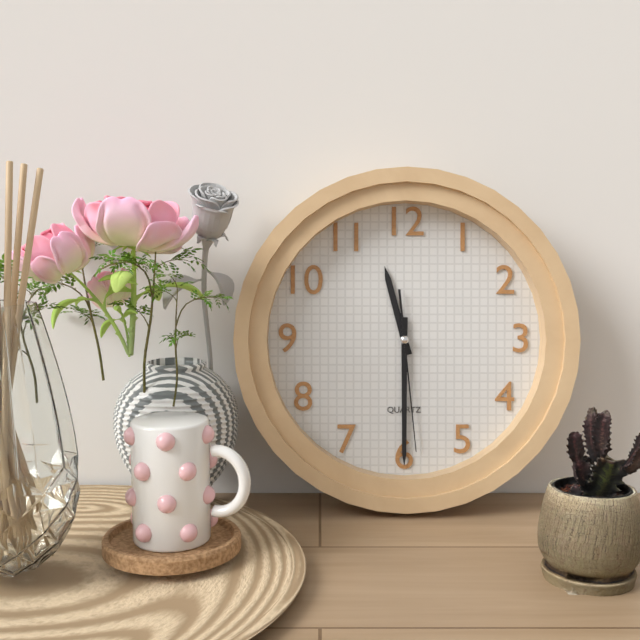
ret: **11:30:29**
